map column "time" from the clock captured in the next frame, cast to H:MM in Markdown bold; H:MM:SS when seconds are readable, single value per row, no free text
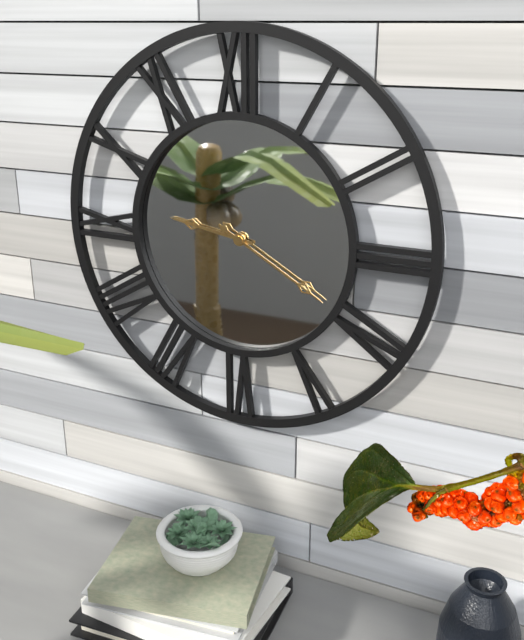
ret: **9:20**
